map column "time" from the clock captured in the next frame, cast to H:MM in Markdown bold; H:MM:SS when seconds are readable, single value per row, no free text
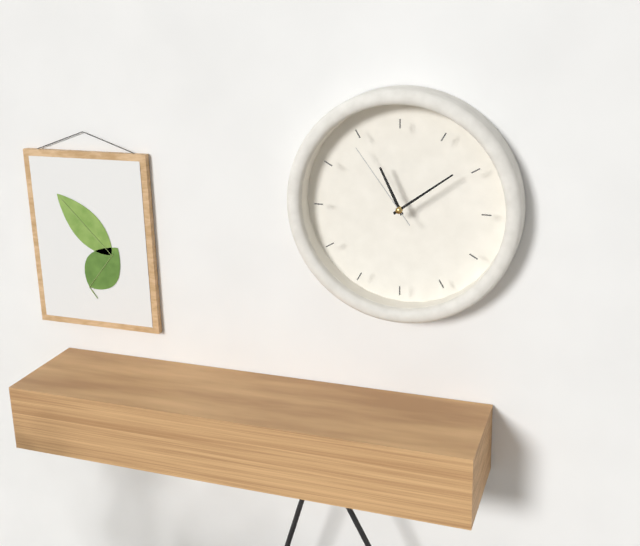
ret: **11:09:54**
